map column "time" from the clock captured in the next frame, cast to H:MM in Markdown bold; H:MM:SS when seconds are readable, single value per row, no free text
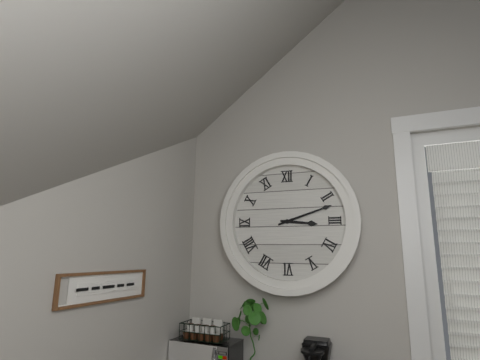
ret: **3:12**
